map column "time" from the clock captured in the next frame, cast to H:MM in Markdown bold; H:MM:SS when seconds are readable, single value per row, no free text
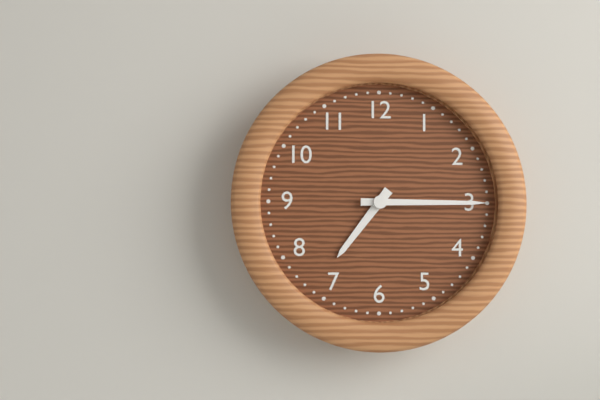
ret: **7:15**
